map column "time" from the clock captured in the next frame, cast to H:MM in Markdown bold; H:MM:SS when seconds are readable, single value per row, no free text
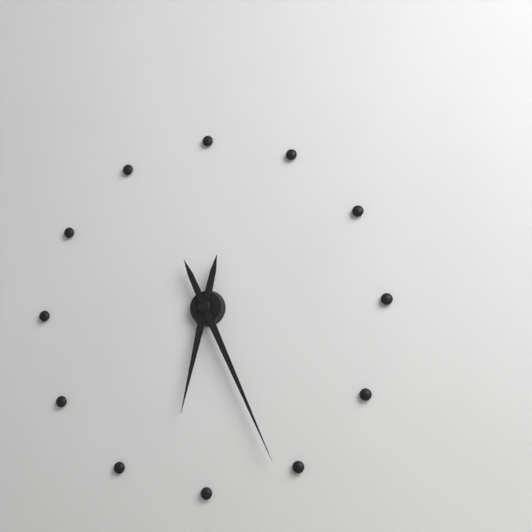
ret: **6:26**
